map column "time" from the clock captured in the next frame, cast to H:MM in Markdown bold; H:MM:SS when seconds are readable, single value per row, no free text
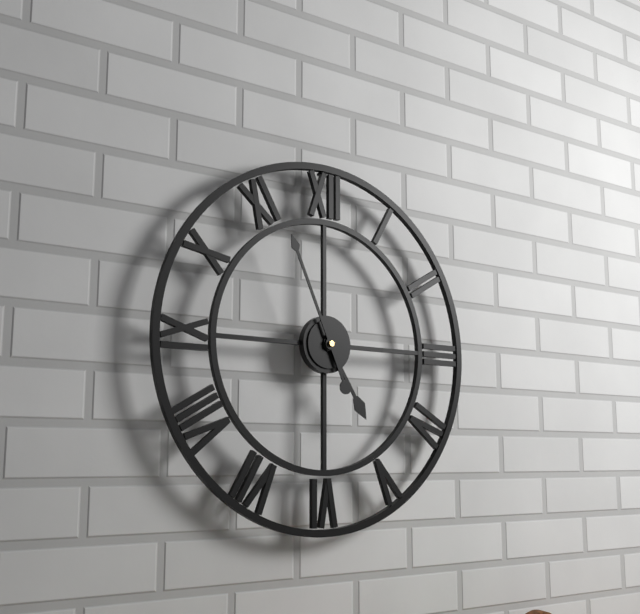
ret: **4:56**
